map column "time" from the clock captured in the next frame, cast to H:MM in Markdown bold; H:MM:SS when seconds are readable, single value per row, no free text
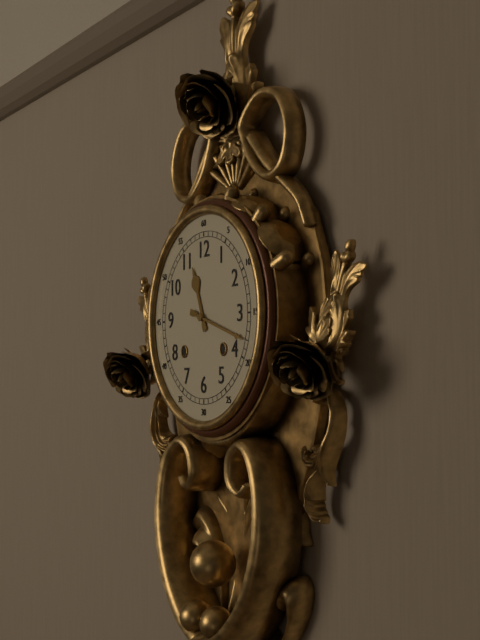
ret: **11:18**
